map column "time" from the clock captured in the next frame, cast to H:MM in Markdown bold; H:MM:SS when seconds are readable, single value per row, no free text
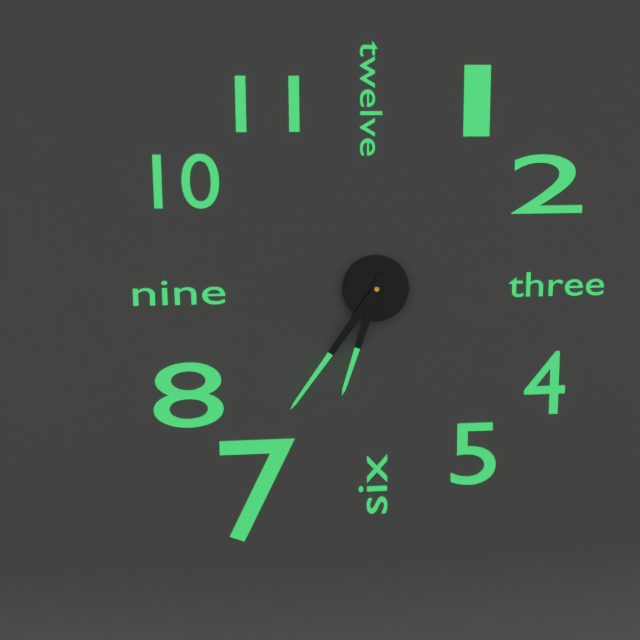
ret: **6:36**
